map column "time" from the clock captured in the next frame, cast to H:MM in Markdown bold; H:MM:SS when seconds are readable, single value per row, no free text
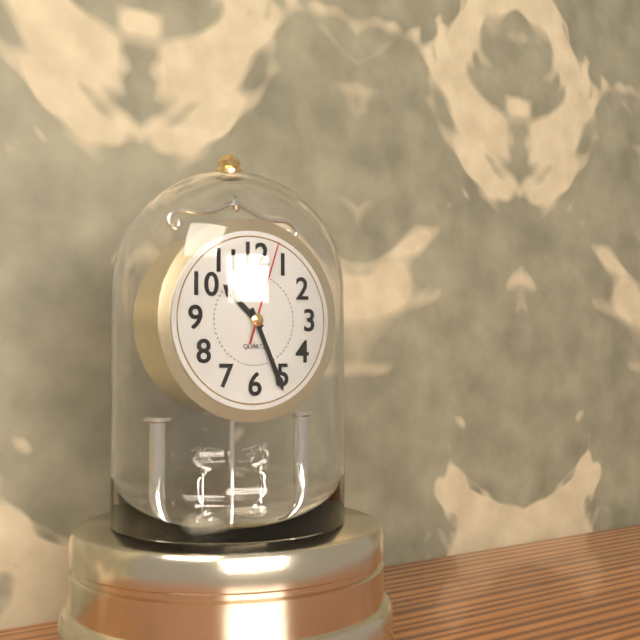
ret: **10:26:03**
